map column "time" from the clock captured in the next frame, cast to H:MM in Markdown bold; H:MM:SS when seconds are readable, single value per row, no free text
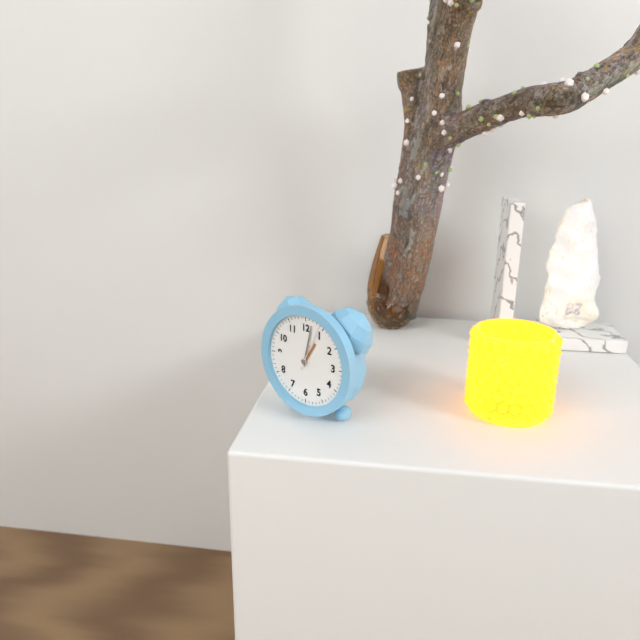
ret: **1:02**
